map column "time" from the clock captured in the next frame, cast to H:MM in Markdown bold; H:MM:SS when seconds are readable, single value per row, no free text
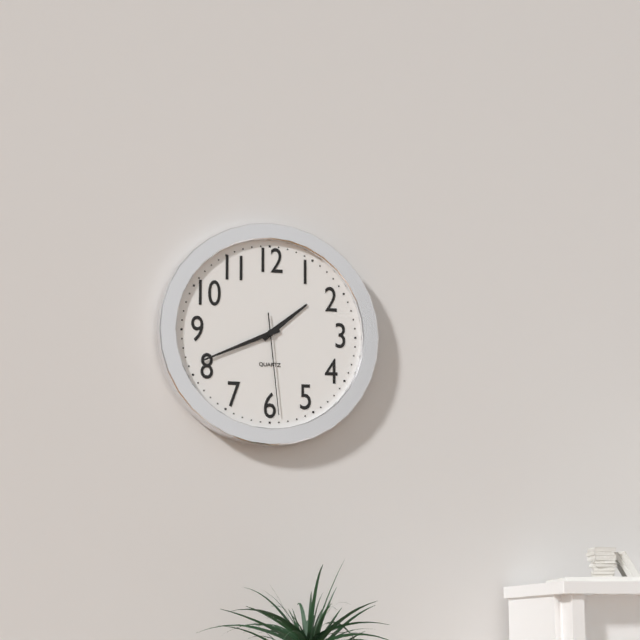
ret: **1:41:29**
